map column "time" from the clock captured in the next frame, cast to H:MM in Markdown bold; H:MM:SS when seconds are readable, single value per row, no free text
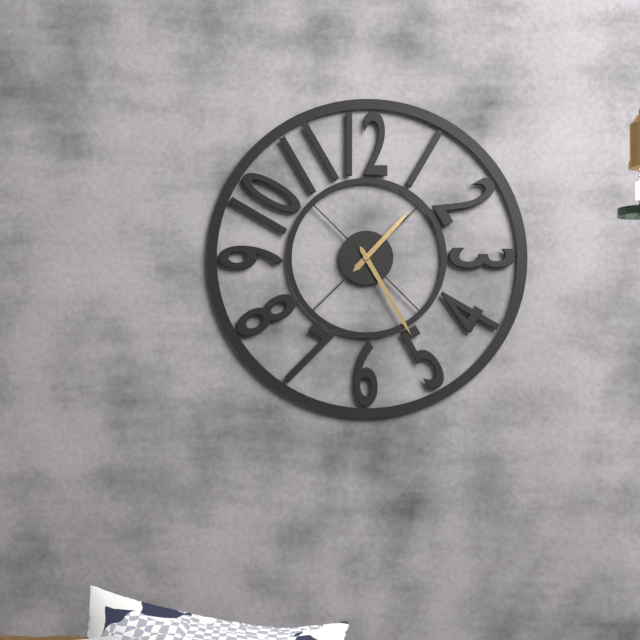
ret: **1:25**
